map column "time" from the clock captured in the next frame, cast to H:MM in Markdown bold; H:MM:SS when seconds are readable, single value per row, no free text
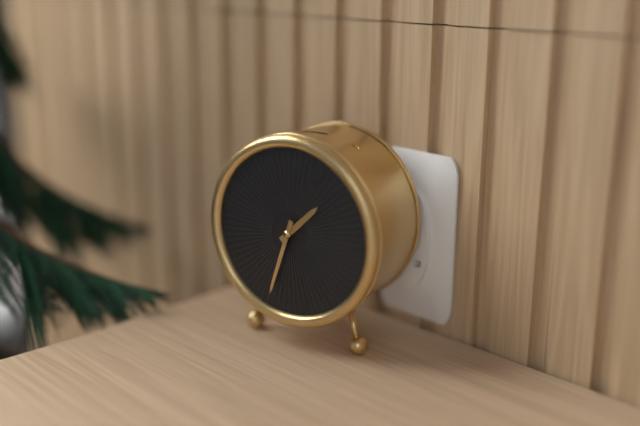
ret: **1:33**
